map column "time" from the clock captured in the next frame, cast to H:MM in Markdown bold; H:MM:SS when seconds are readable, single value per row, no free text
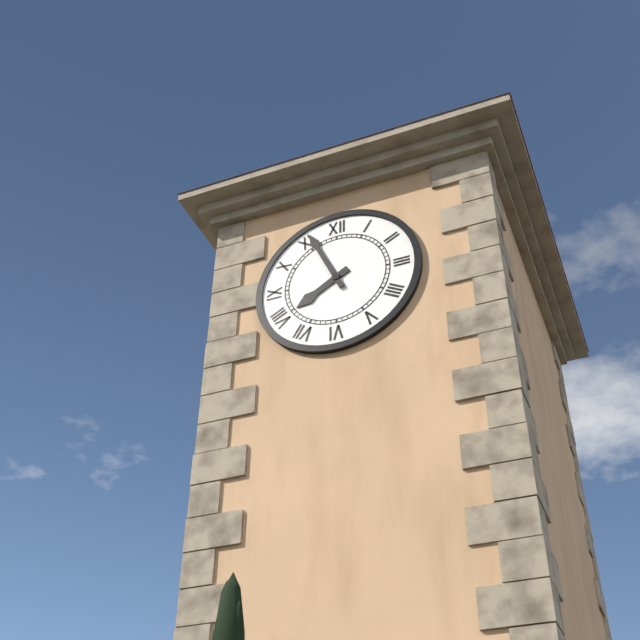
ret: **7:56**
